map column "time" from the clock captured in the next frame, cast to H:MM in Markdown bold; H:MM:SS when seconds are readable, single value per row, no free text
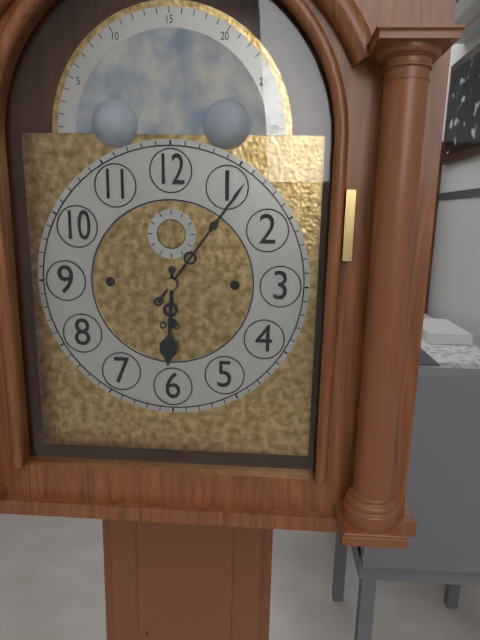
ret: **6:06**
